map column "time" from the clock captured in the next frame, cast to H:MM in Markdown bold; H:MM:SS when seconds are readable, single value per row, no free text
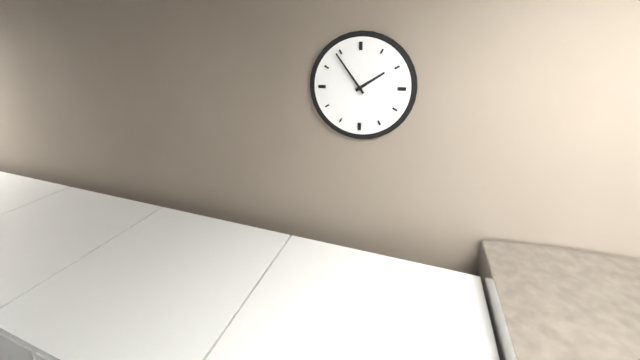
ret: **1:54**
